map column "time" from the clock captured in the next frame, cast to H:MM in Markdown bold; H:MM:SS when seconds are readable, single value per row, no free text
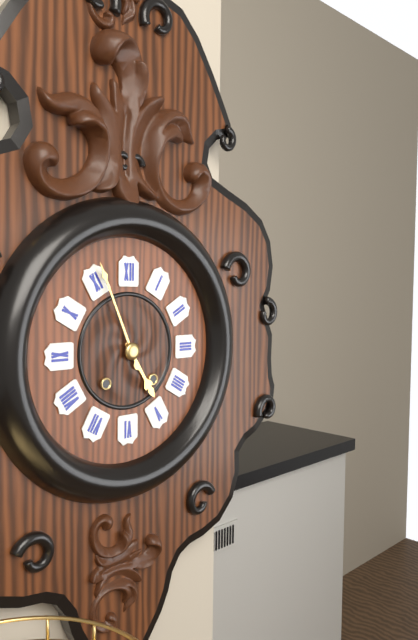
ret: **4:56**
